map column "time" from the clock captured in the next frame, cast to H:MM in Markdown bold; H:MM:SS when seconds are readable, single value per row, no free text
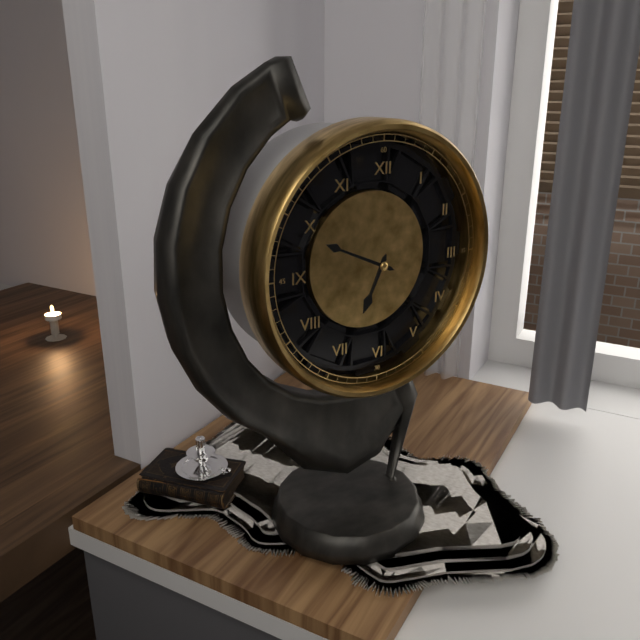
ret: **6:49**
